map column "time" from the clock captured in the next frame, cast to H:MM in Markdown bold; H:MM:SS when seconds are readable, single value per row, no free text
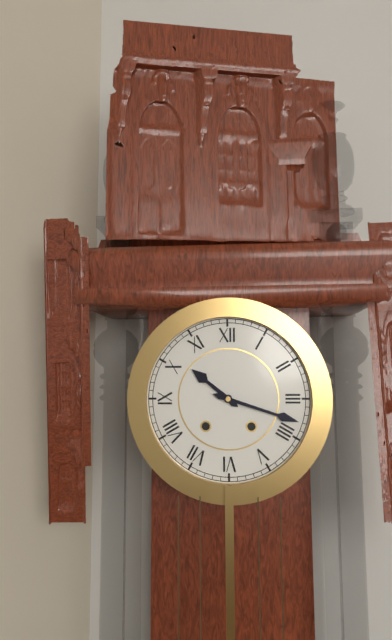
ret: **10:18**
